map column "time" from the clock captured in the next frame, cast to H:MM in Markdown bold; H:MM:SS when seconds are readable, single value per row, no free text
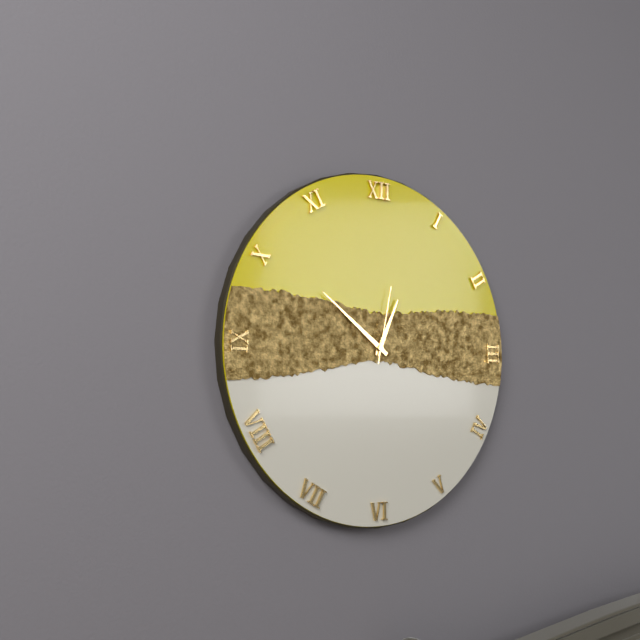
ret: **12:51:02**
